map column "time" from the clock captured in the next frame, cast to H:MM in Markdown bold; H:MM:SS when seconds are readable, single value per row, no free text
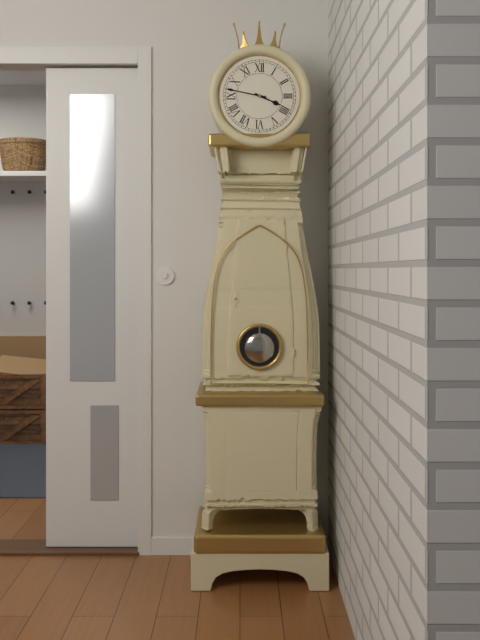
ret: **3:47**
